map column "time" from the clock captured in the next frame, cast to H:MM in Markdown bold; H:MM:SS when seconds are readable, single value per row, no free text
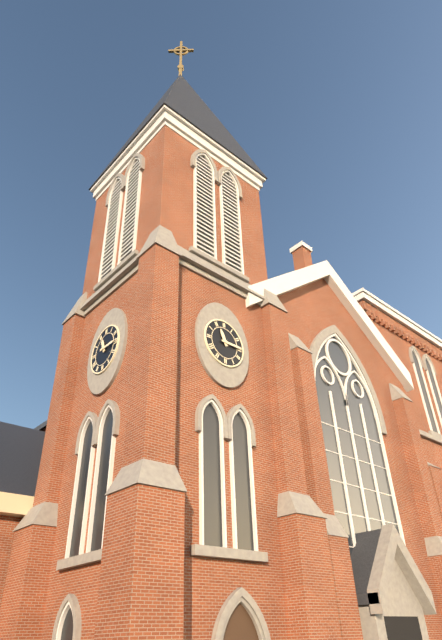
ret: **11:15**
